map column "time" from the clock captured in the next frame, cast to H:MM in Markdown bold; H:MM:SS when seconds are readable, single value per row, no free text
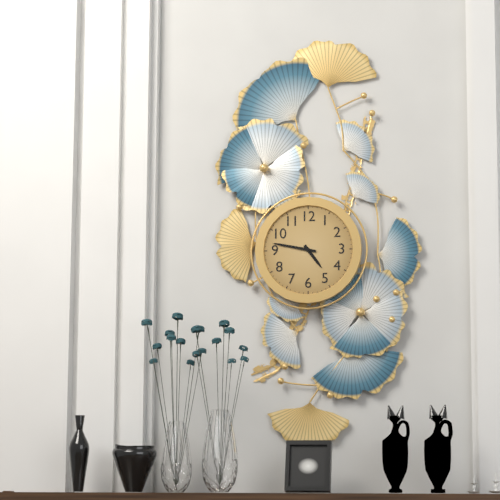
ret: **4:47**
